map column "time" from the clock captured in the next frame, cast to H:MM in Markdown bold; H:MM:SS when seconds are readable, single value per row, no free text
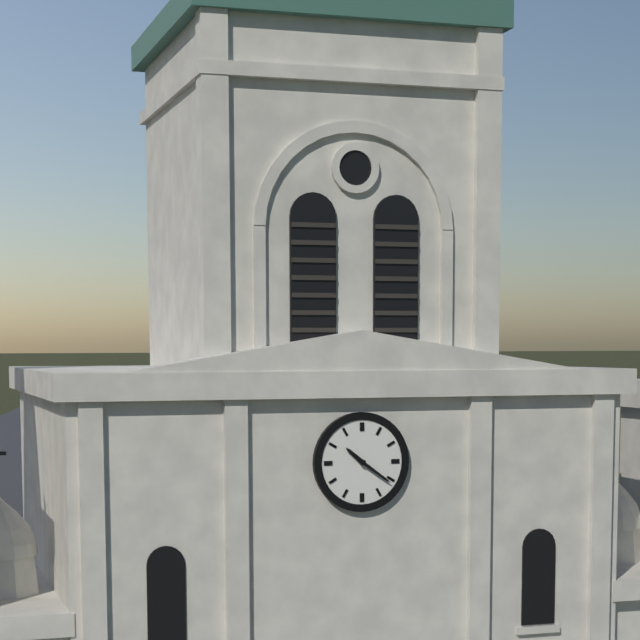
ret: **10:21**
